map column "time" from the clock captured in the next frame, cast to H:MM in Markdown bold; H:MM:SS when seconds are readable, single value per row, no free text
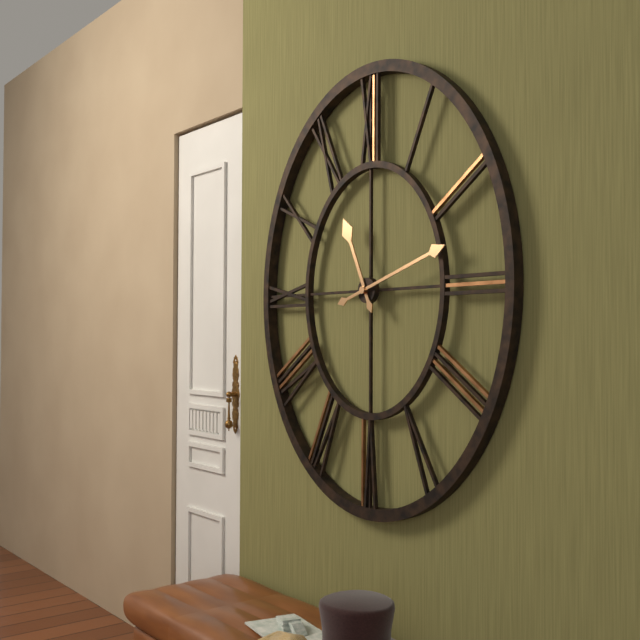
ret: **11:12**
